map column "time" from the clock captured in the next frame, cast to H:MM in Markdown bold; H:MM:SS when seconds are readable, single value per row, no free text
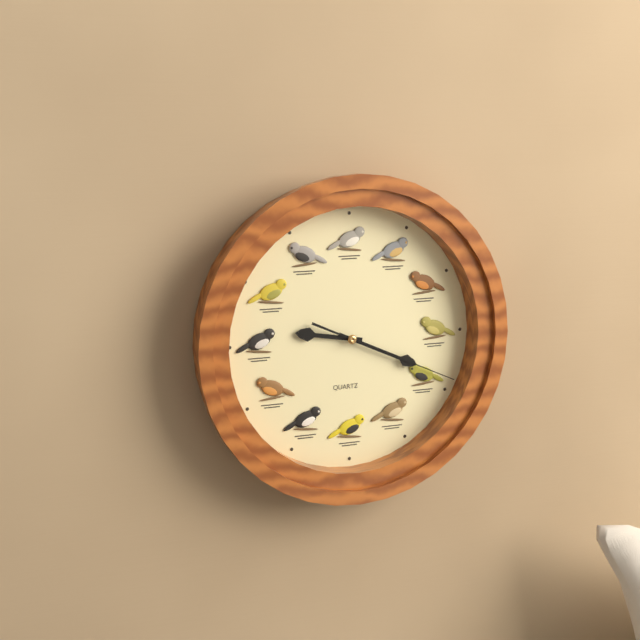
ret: **9:19:19**
